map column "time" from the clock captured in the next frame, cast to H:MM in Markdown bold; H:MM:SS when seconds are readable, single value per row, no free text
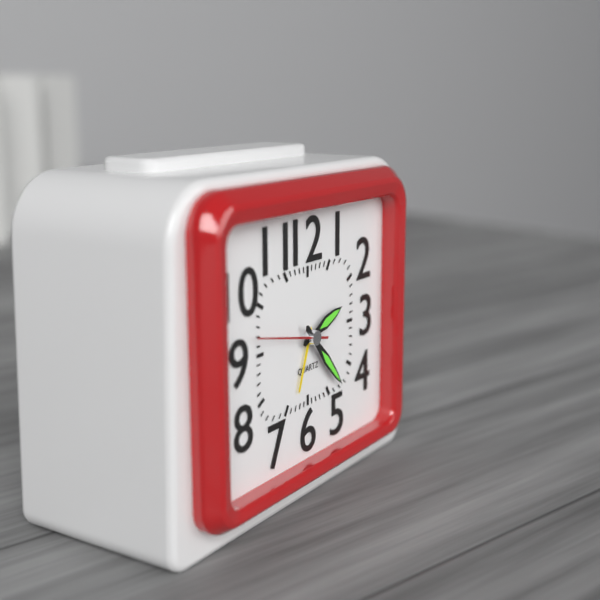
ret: **2:23:47**
